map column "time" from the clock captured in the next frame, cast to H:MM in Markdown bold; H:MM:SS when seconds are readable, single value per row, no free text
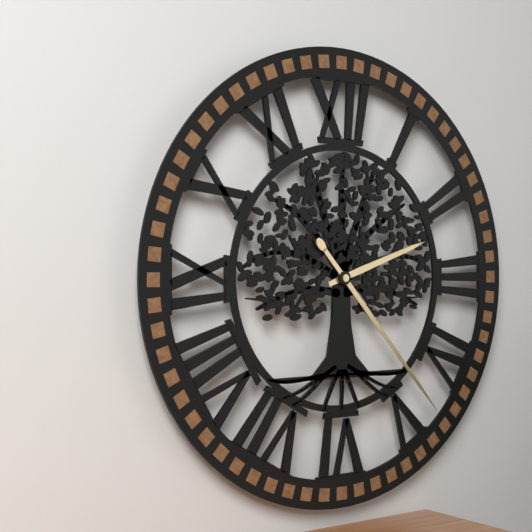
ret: **2:23**
